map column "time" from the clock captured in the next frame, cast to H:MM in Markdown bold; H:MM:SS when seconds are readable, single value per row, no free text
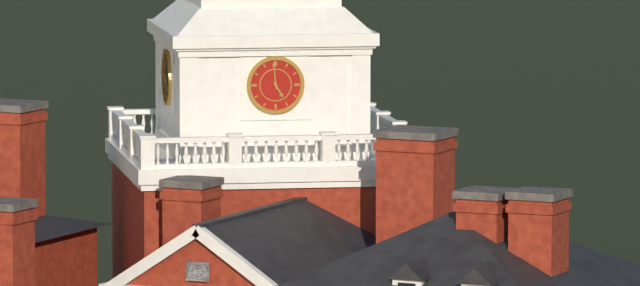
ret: **4:59**
